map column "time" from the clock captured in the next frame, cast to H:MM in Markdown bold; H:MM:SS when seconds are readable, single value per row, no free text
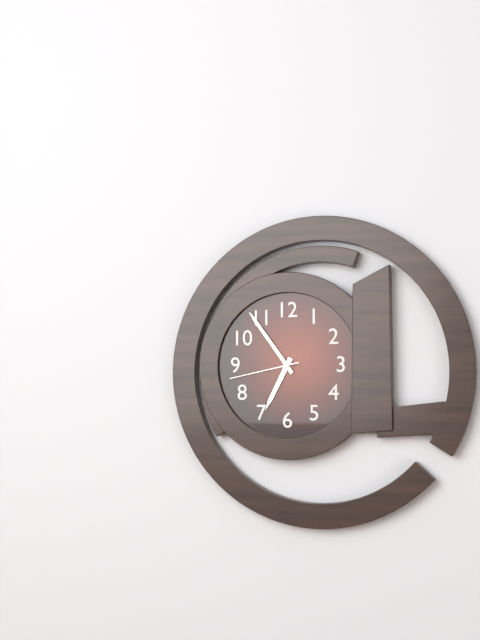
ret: **6:54:43**
